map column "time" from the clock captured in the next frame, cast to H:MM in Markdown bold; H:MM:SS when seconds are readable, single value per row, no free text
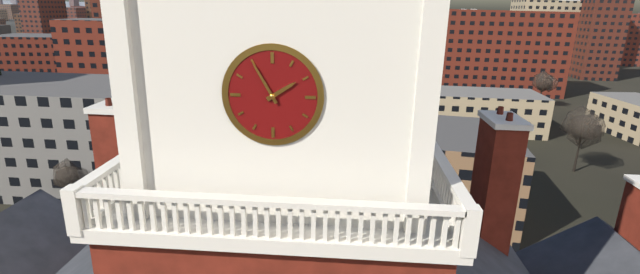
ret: **1:55**
